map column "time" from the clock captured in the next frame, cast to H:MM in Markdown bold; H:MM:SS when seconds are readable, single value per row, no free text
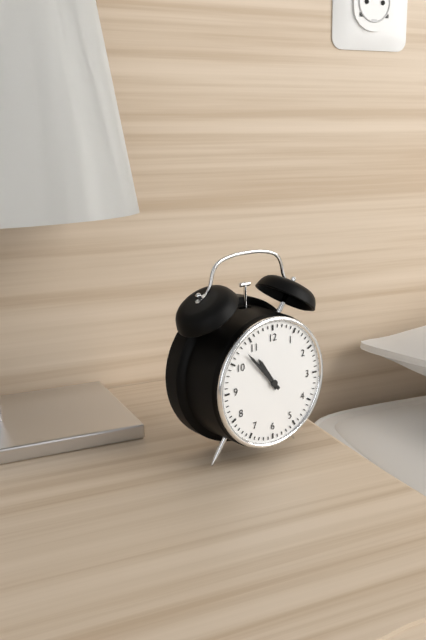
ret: **10:53**
